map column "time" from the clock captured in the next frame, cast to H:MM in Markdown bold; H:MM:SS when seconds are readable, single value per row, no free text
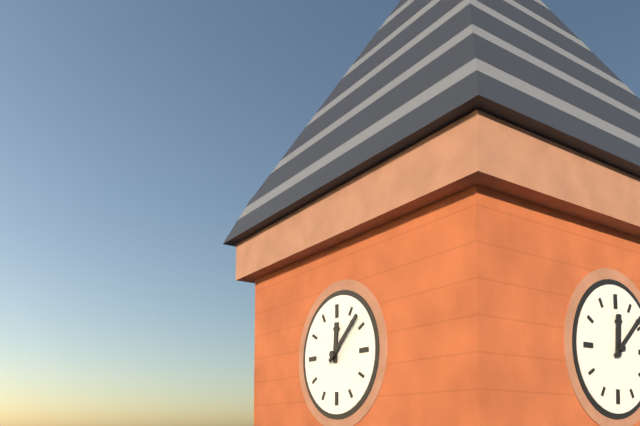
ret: **12:08**
